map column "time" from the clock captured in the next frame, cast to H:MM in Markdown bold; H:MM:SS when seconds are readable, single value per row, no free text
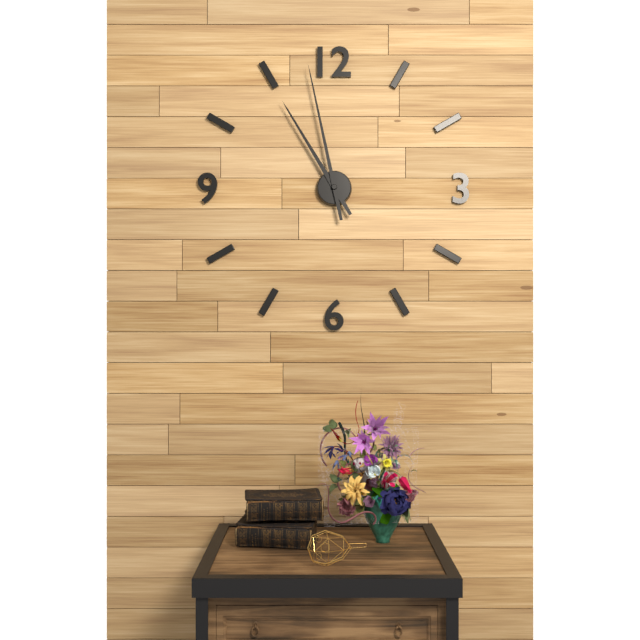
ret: **10:58**
